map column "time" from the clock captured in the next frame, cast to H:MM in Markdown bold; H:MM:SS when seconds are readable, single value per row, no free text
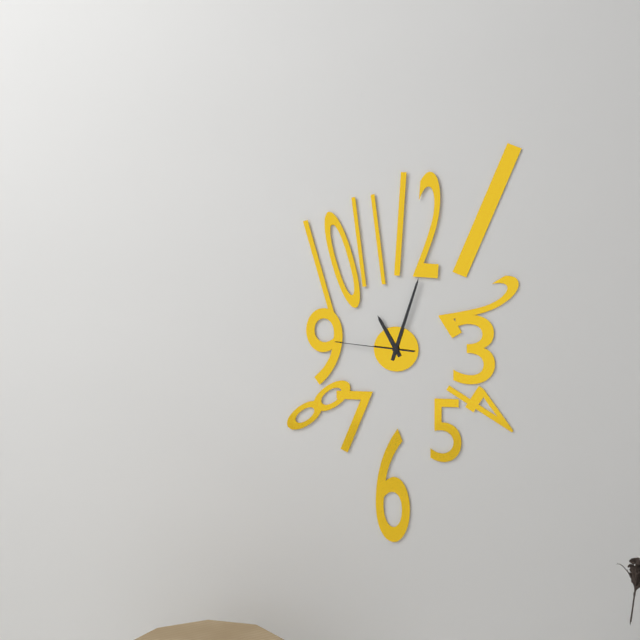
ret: **11:03:46**
